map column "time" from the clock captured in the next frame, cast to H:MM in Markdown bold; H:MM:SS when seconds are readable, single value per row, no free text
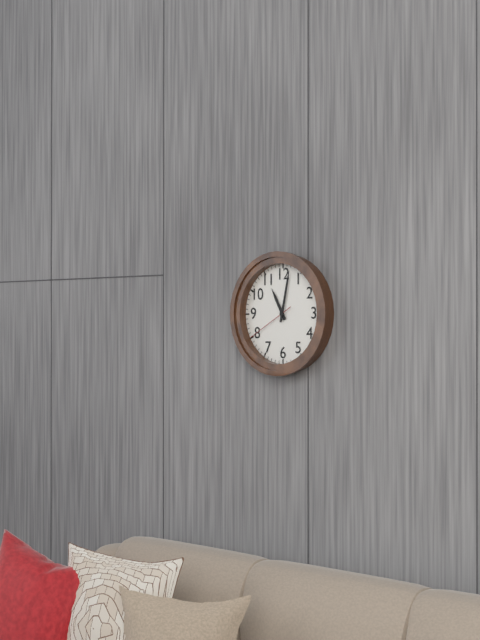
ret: **11:02**
